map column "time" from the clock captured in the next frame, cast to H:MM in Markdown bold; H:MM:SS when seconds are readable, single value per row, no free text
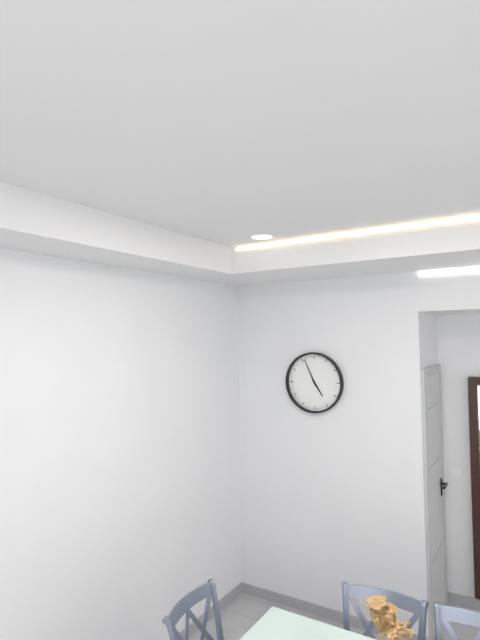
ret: **4:56**
